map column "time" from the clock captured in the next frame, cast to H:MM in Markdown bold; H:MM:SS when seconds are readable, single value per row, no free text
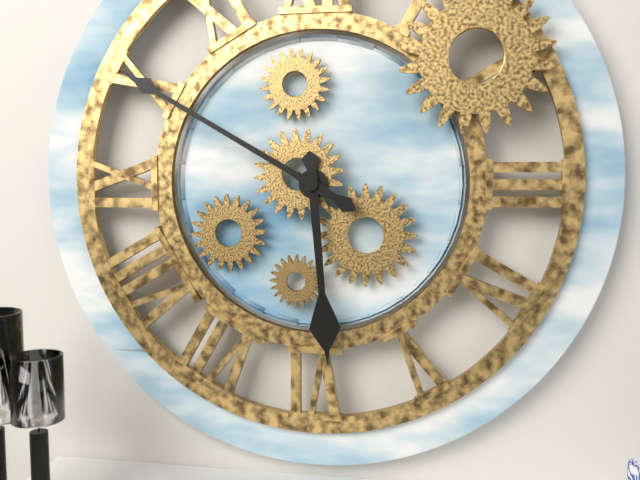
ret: **5:50**
